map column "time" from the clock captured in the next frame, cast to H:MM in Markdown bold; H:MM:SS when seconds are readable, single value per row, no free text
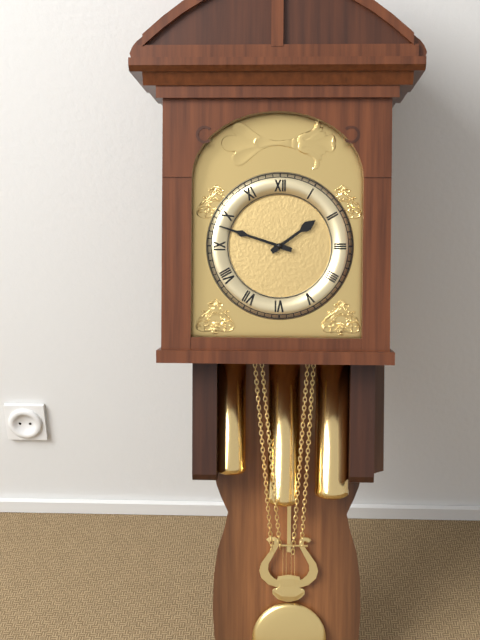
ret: **1:48**
